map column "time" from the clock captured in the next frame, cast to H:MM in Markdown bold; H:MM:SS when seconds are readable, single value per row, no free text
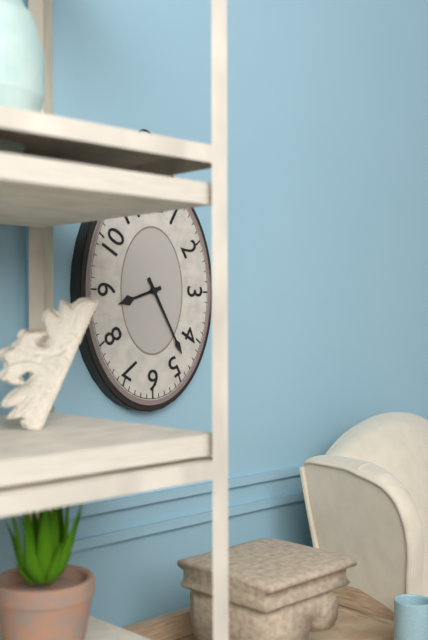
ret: **8:25**
